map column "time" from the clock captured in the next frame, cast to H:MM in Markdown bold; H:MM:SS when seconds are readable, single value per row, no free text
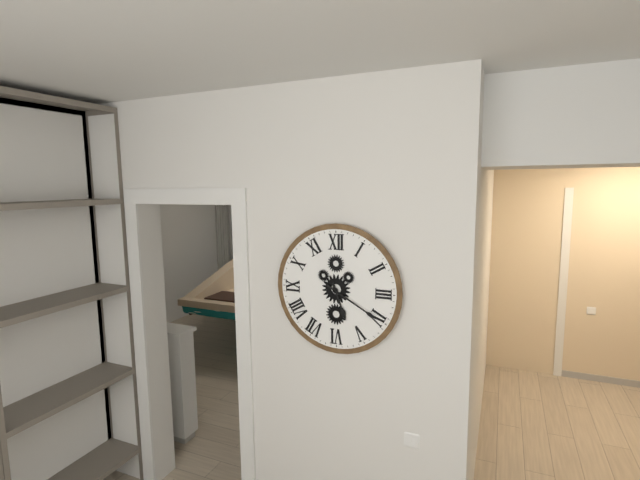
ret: **5:20**
